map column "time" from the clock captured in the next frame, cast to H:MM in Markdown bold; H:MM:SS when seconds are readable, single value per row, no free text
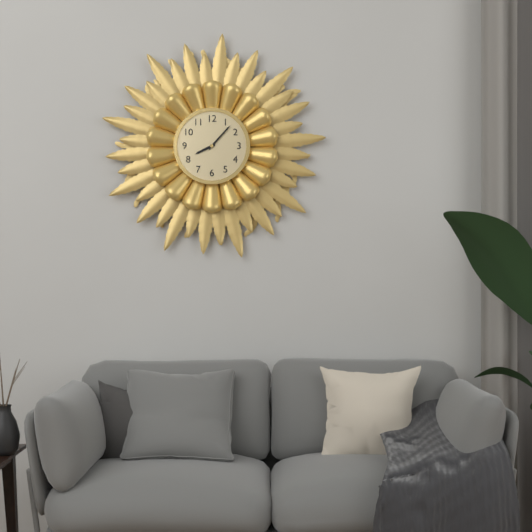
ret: **8:07**
